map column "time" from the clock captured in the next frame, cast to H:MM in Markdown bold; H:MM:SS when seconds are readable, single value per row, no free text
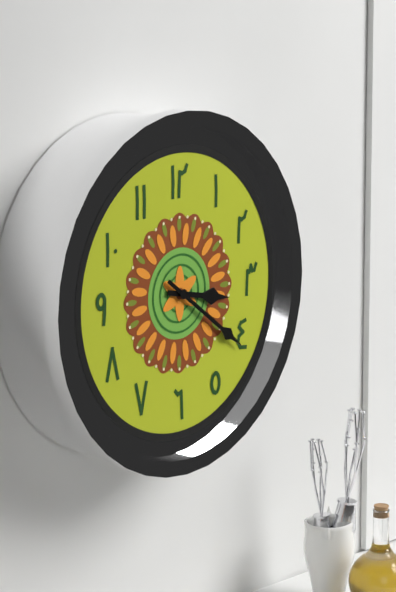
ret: **3:21**
